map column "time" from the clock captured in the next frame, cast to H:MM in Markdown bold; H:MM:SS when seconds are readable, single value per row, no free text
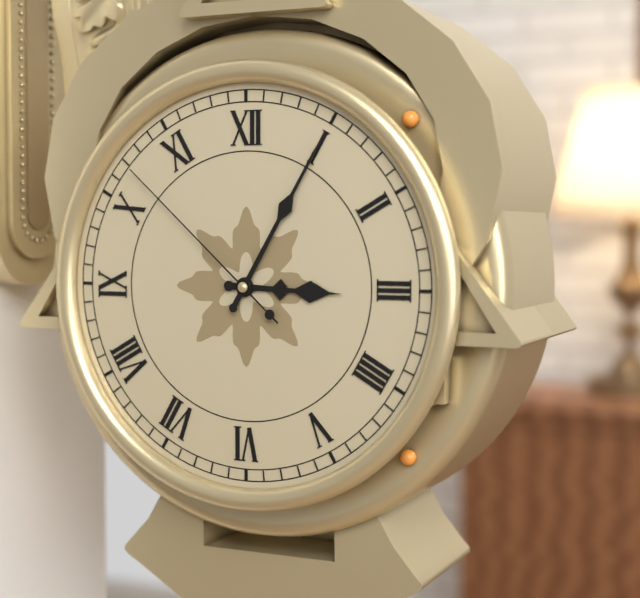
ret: **3:05:52**
